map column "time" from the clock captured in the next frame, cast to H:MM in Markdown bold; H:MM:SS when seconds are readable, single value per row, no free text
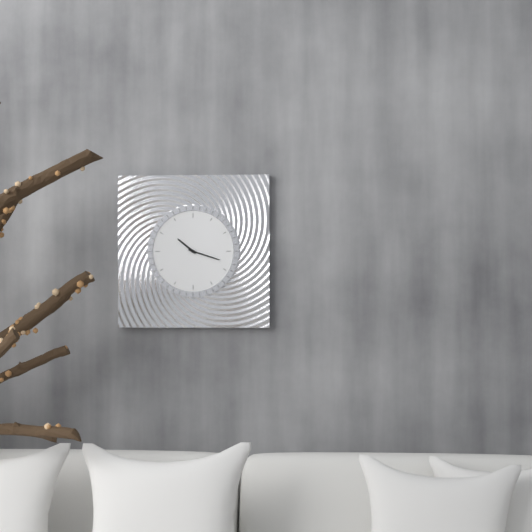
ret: **10:18**
